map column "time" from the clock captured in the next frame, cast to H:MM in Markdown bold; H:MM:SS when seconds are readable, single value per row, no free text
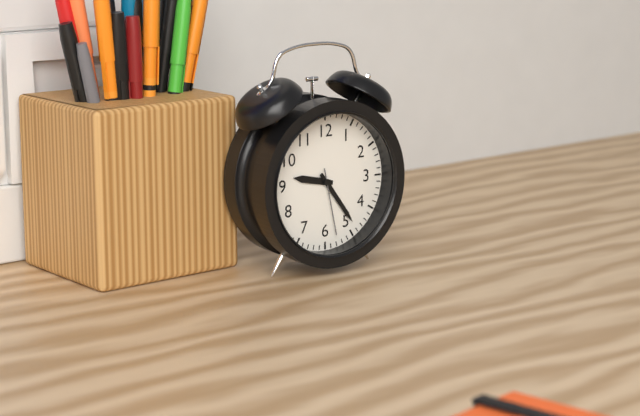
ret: **9:24:28**
